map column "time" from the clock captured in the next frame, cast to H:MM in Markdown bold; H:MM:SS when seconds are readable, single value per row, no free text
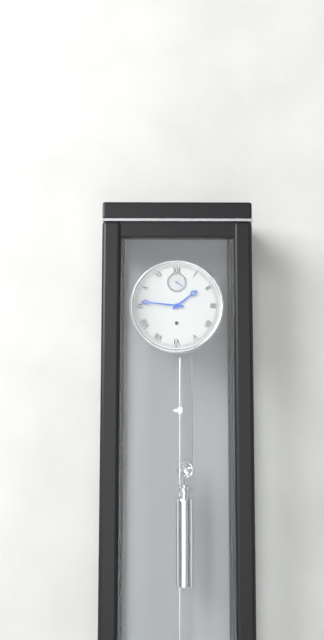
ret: **1:46**
